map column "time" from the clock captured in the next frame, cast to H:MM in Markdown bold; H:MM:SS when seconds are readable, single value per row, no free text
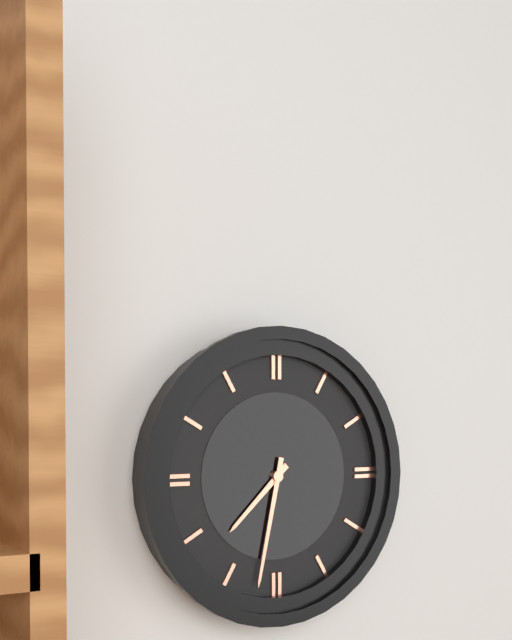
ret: **7:32**
